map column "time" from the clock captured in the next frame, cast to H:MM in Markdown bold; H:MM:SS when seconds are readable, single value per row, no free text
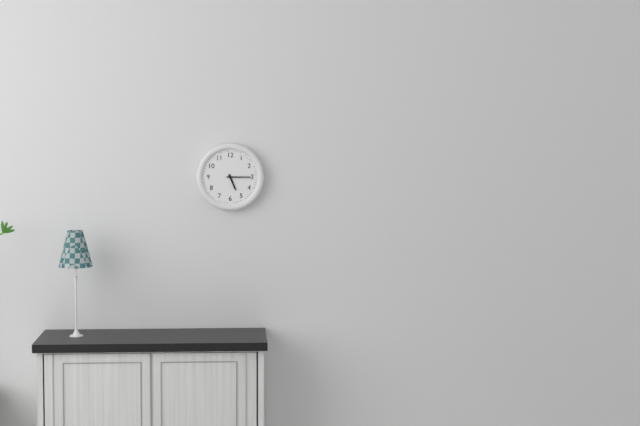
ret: **5:15**
